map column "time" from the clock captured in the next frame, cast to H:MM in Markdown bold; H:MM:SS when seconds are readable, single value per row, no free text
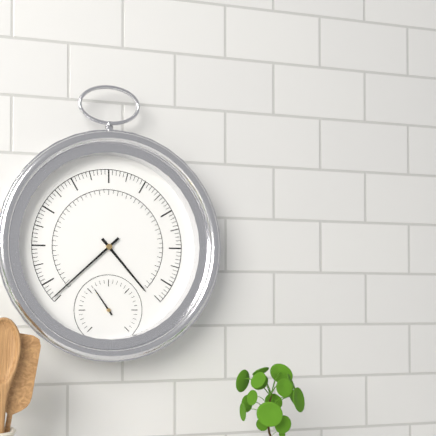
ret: **4:38**
